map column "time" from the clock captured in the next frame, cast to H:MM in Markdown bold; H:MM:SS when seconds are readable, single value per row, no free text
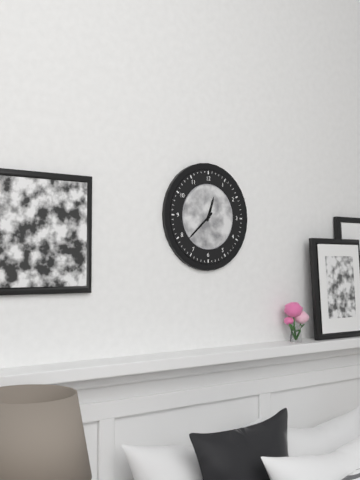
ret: **12:38**
